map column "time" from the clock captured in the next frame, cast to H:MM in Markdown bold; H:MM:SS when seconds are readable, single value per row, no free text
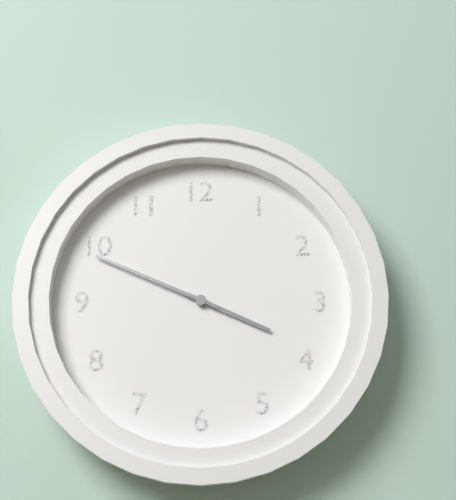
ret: **3:49**
